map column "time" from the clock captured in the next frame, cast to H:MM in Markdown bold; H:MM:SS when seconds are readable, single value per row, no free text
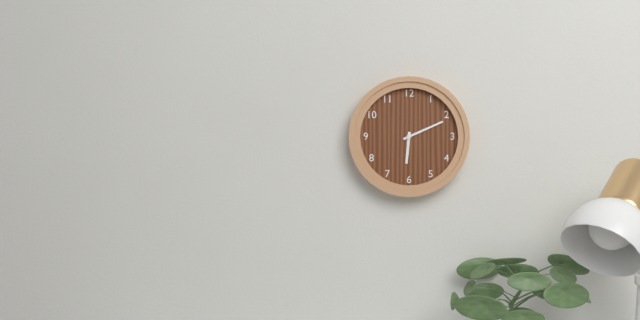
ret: **6:11**
